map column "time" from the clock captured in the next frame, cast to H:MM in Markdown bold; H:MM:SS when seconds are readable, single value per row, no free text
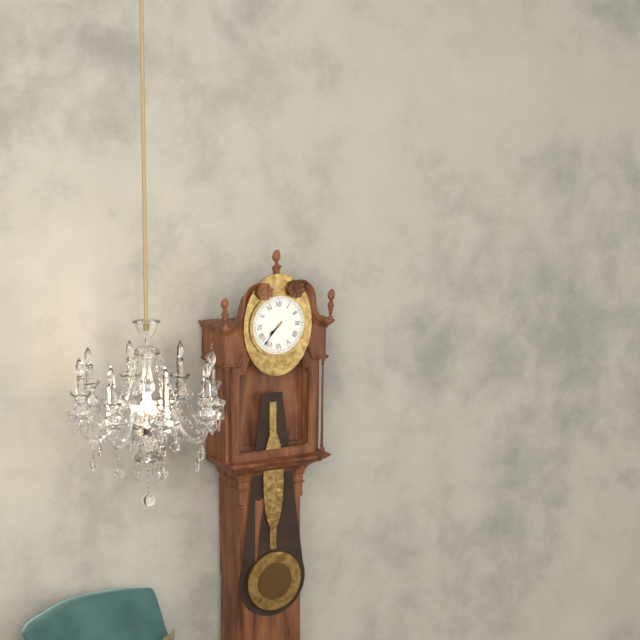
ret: **7:37**
